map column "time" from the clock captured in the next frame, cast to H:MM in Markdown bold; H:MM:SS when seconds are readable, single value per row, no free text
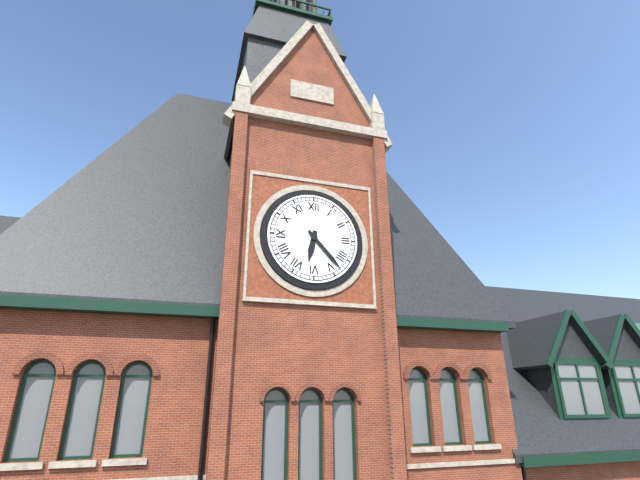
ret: **6:23**
